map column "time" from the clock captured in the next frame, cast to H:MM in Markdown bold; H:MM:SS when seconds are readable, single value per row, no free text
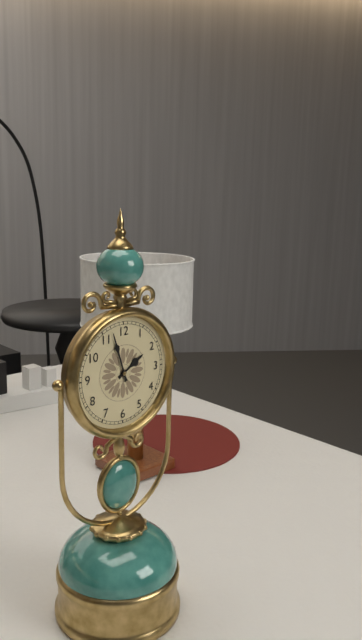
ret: **1:57**
